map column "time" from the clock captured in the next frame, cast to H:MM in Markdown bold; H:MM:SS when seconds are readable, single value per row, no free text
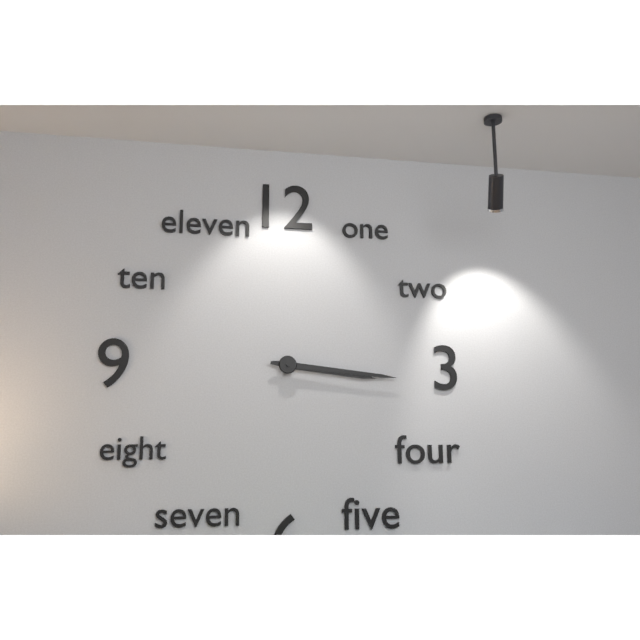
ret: **3:16**
